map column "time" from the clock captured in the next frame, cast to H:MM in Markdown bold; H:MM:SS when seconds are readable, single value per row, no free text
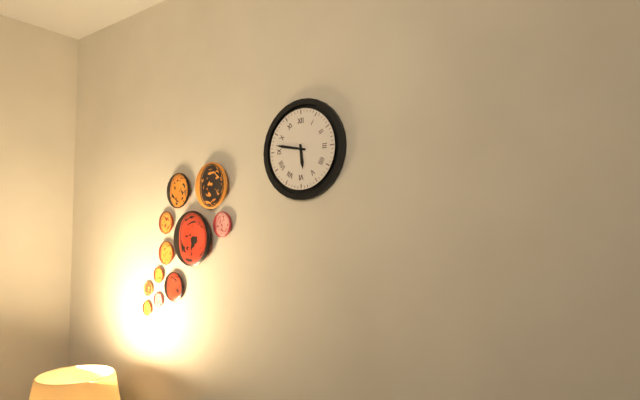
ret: **5:47**
